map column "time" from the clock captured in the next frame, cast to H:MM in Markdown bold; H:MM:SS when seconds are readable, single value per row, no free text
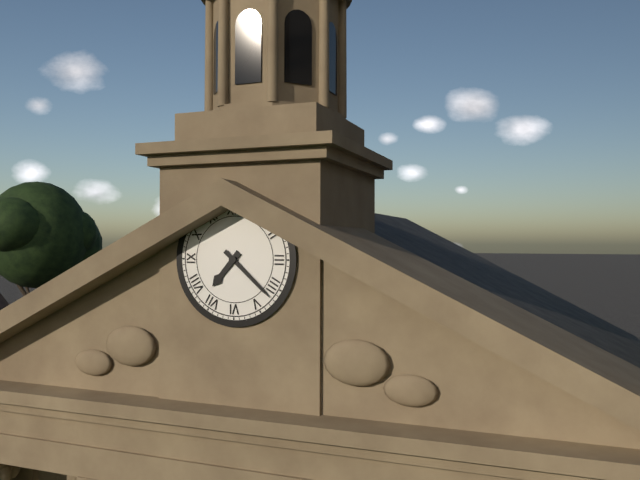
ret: **7:22**
